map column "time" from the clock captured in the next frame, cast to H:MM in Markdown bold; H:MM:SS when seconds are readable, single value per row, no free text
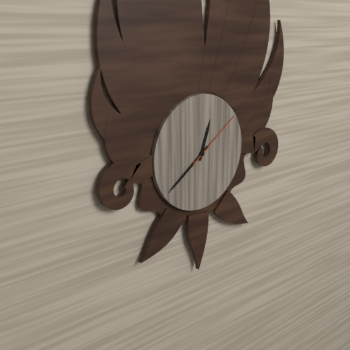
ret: **12:39:09**
